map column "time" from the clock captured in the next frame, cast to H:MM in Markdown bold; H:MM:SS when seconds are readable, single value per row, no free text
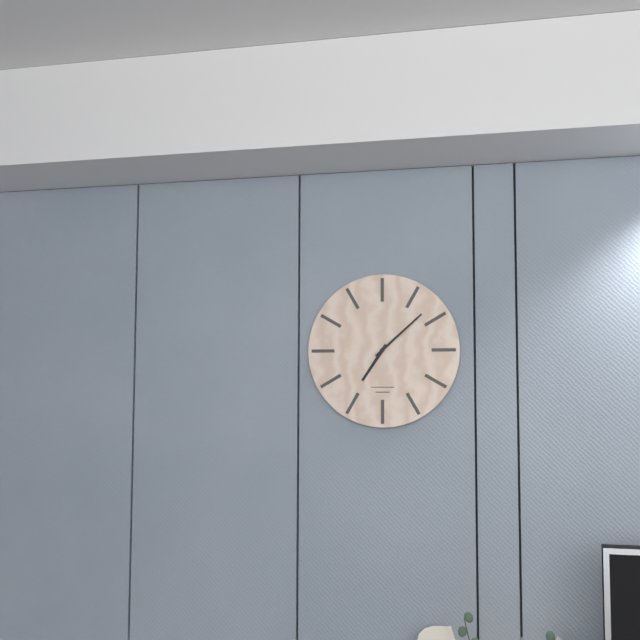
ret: **7:08**
